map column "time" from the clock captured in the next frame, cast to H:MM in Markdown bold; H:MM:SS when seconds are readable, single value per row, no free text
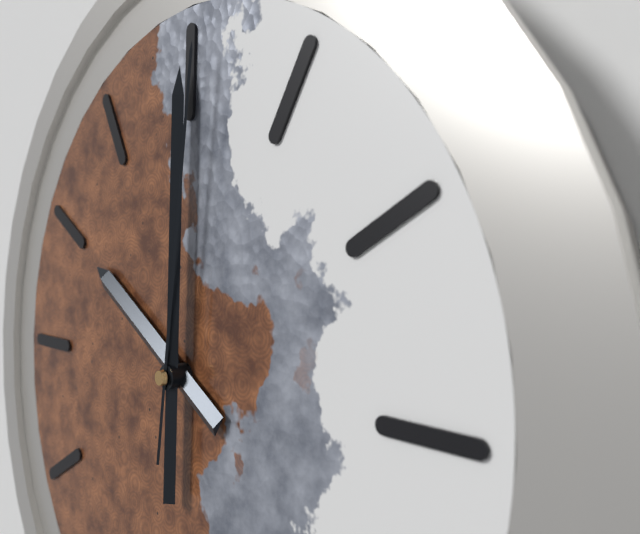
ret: **10:00:01**
